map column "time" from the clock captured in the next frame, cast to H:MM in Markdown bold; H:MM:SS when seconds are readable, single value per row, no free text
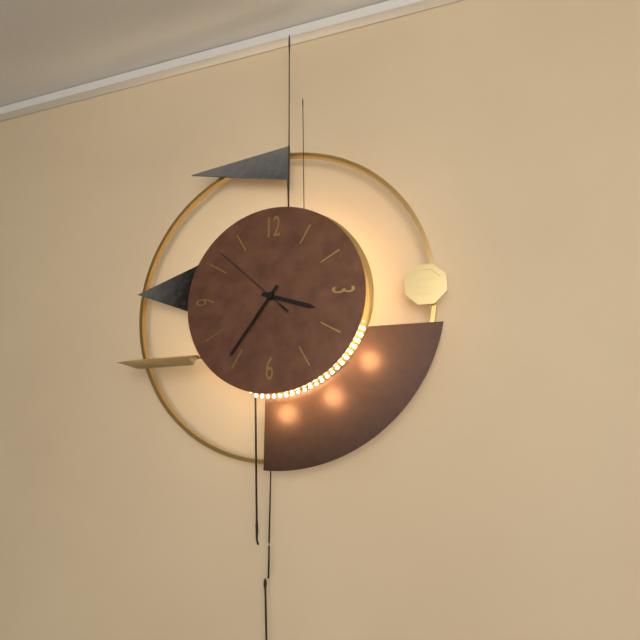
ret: **3:36:52**
